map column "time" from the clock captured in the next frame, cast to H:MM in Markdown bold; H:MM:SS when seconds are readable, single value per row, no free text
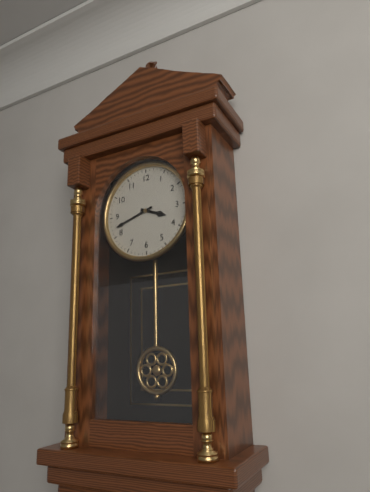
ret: **3:42**
